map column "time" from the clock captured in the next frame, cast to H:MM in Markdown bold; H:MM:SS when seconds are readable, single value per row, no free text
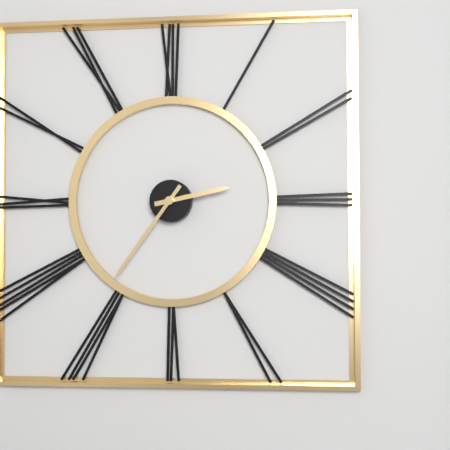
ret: **2:36**
